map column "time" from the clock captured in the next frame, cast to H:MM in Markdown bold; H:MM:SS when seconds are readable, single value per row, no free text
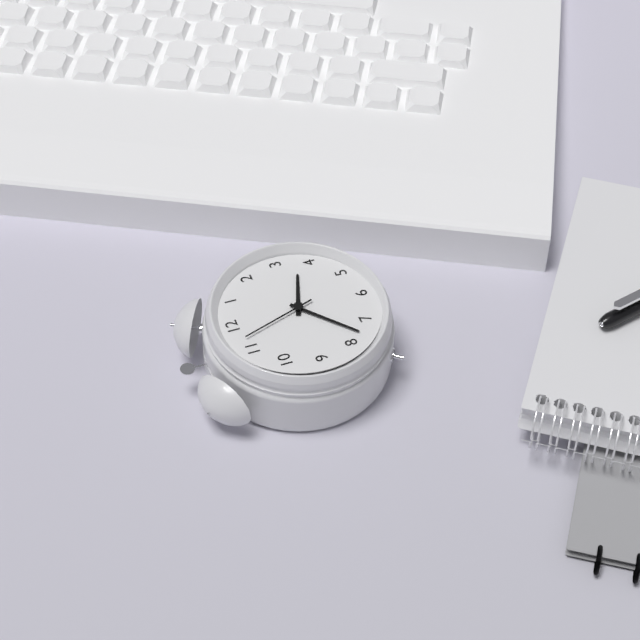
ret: **3:38:57**
